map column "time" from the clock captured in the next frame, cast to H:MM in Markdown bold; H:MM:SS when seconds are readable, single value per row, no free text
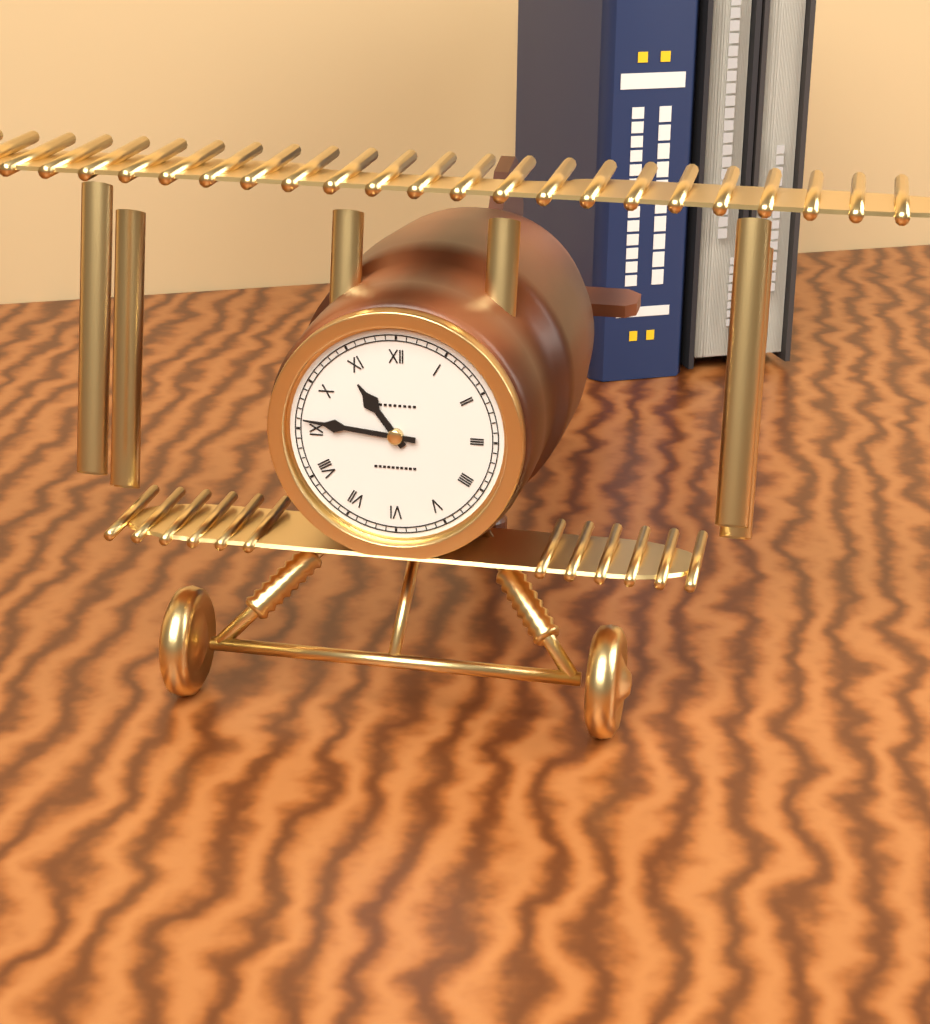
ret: **10:46**
